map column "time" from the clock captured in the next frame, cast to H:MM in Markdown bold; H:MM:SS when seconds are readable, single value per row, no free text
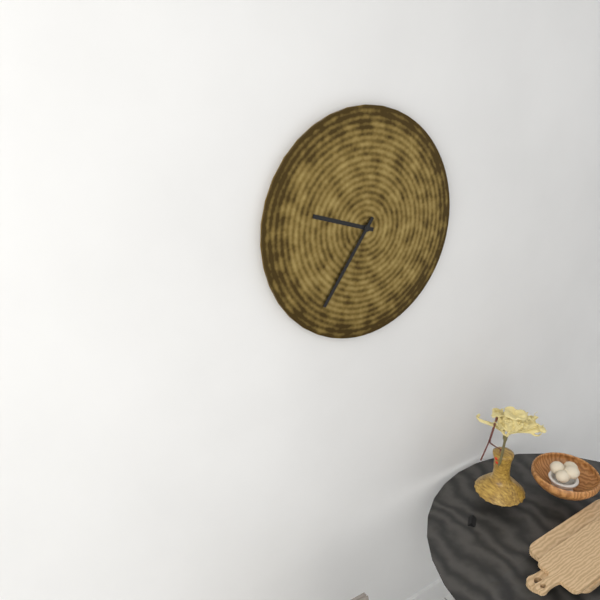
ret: **9:36**
